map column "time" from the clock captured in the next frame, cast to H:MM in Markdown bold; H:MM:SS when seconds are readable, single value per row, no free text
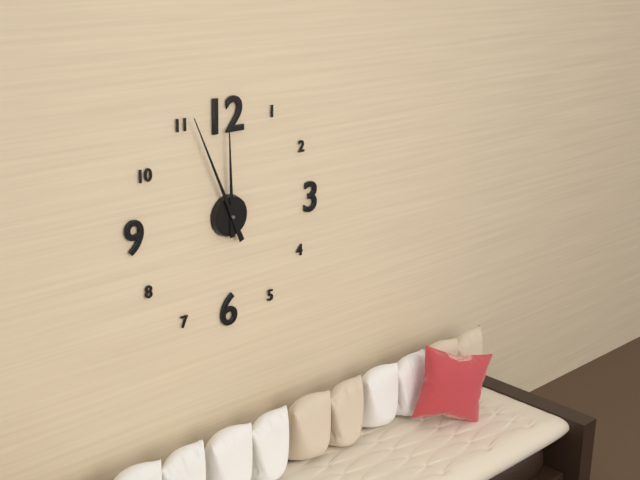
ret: **11:56**
